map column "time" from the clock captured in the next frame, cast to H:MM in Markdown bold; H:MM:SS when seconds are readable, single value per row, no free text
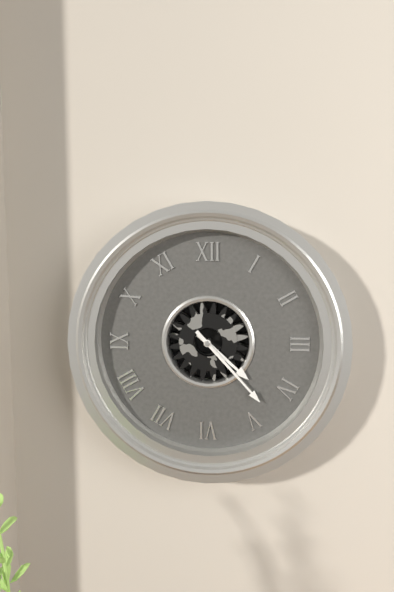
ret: **4:23**
